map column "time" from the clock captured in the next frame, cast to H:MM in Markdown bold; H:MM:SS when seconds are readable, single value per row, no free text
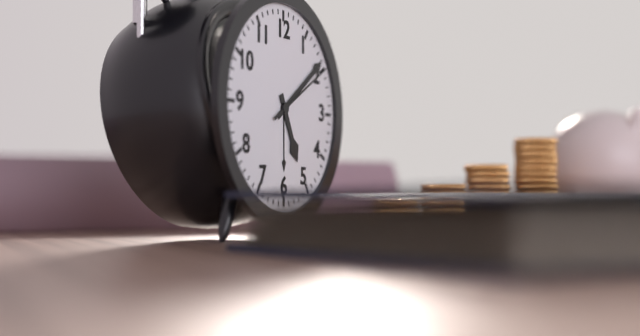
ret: **5:09:10**
